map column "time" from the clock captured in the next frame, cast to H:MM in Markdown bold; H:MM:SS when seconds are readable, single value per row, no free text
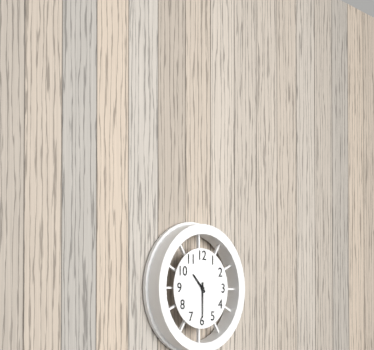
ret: **10:30**
